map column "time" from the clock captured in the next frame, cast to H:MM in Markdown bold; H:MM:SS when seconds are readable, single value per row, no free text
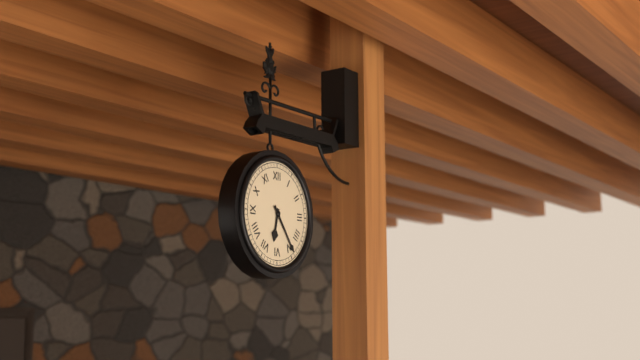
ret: **6:24**
